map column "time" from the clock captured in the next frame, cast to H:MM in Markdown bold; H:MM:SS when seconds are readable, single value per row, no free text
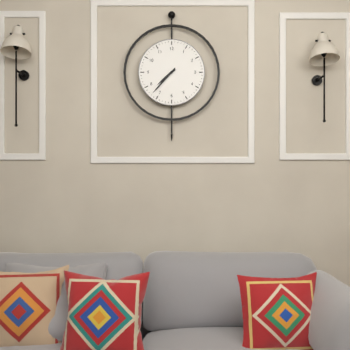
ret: **7:37**
